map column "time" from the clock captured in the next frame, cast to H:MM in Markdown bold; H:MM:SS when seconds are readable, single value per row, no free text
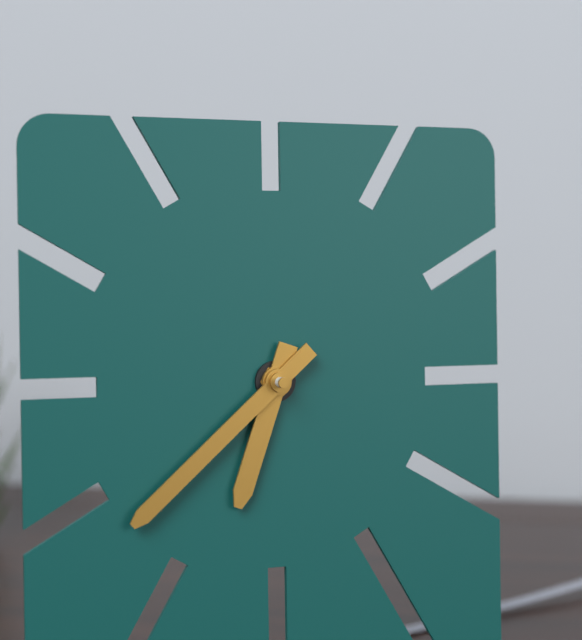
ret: **6:38**
